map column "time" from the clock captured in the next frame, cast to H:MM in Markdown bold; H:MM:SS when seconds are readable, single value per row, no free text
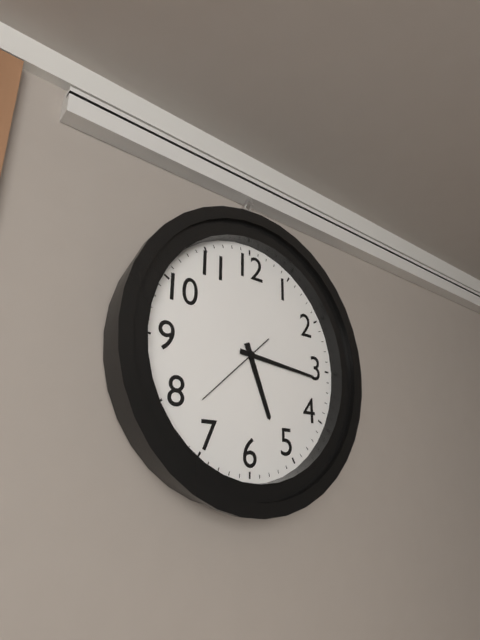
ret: **5:16:38**
